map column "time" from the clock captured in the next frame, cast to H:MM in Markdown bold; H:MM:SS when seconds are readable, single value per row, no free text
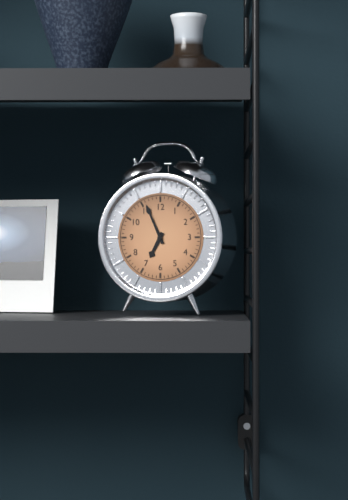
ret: **6:56**
